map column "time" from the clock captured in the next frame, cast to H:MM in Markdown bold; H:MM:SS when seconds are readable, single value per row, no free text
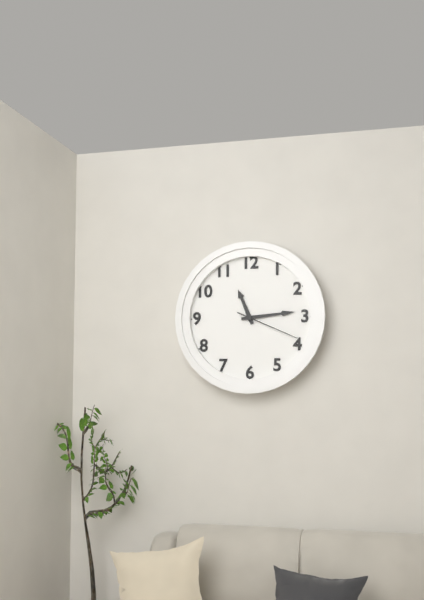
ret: **11:14:19**
